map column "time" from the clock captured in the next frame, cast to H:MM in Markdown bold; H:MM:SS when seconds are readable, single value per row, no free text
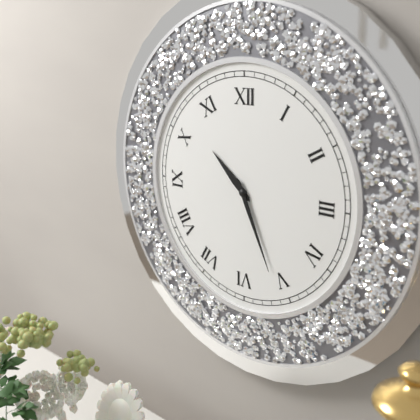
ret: **10:26**
